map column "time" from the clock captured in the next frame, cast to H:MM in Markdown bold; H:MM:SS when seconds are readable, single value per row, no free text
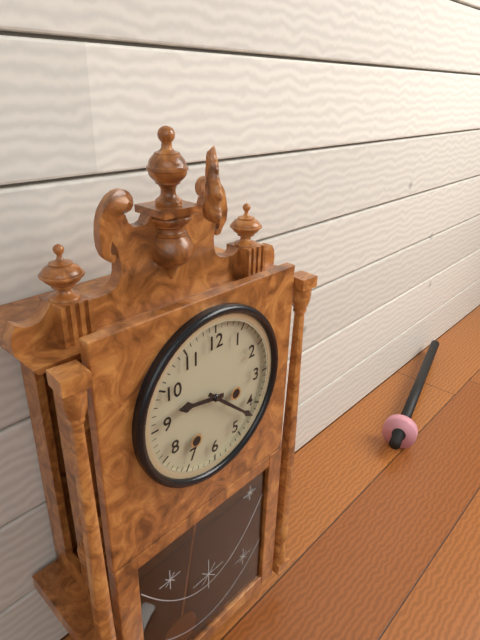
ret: **9:22**
